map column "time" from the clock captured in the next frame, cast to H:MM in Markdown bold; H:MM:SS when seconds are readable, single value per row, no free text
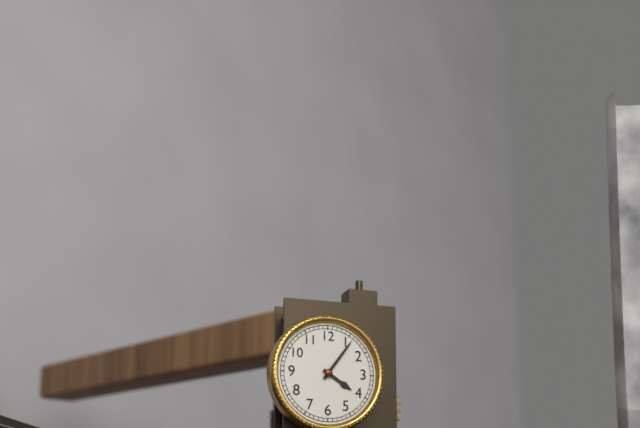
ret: **4:06**
